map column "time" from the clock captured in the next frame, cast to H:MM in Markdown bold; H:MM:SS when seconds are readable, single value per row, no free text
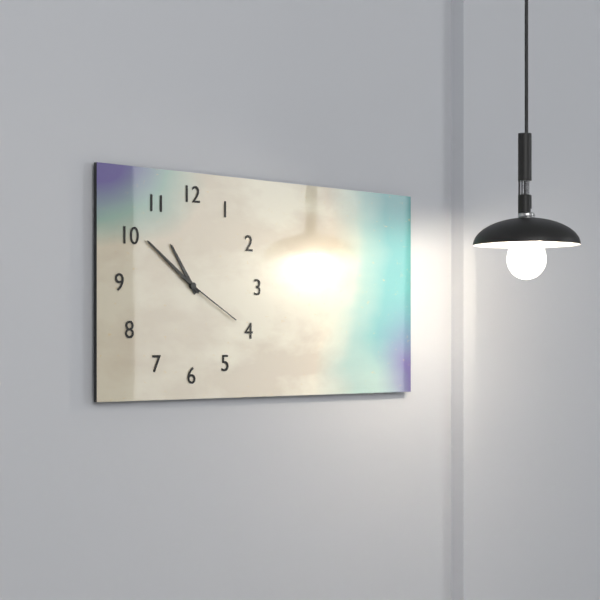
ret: **10:51:20**
